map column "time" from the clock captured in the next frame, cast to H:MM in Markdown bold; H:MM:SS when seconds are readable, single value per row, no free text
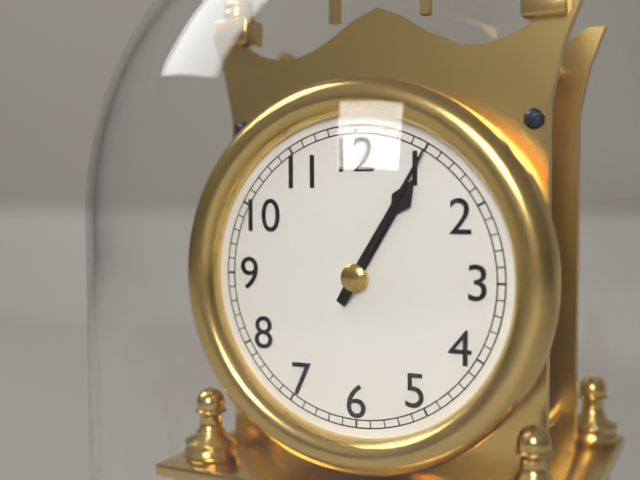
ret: **1:05**
